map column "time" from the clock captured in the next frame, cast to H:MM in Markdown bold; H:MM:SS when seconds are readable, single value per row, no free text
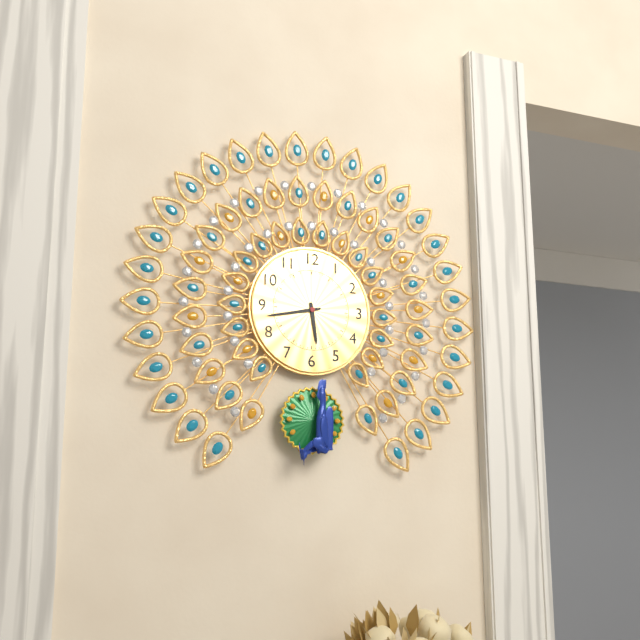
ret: **5:43**
